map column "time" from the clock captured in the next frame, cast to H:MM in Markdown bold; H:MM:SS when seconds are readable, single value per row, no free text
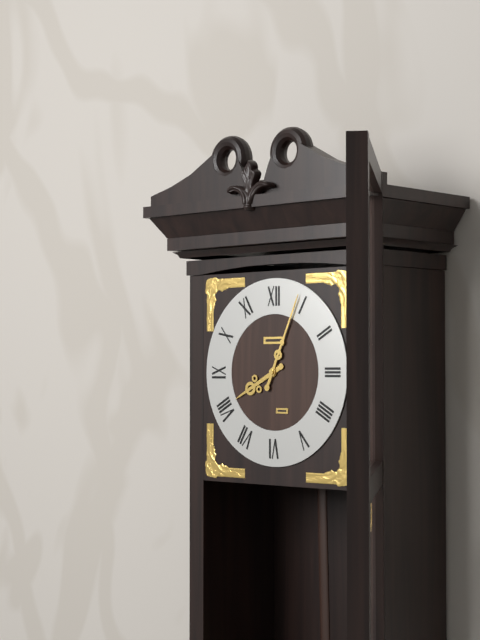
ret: **8:04**
